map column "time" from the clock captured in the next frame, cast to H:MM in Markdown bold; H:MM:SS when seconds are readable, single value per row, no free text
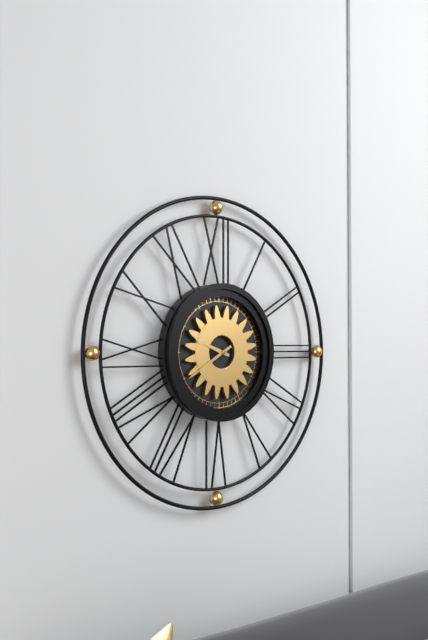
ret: **9:40**
